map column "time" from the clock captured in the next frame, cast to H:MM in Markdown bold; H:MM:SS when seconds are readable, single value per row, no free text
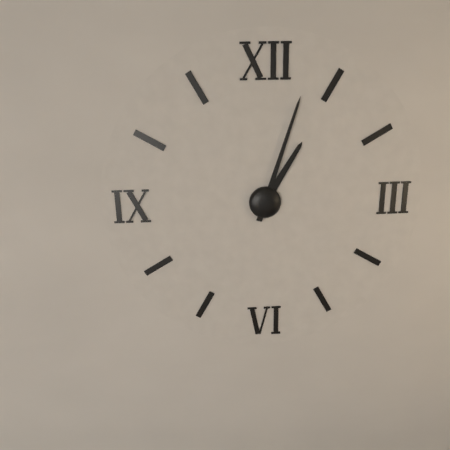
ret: **1:03**
